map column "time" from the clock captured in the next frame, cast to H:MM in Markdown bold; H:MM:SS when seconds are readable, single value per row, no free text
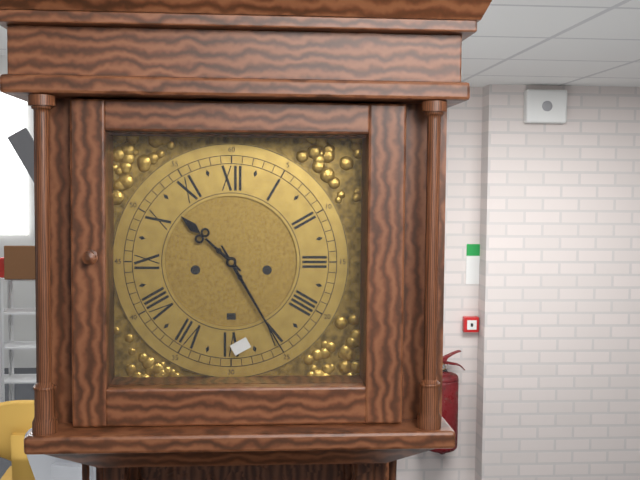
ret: **10:25**
